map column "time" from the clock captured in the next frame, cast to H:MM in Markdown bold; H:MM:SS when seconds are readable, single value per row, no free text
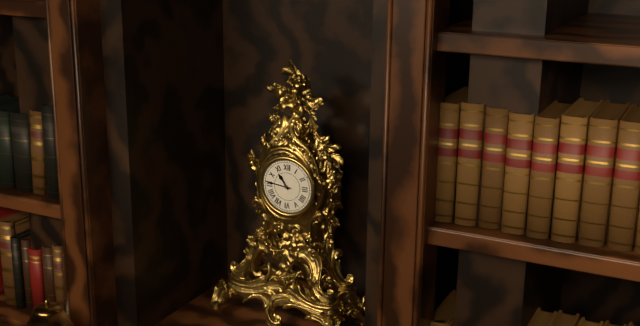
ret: **10:46**
